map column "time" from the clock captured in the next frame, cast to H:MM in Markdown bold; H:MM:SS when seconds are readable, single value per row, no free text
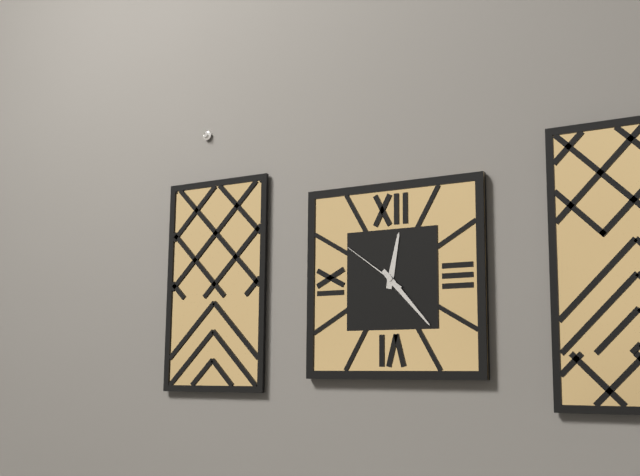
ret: **12:23:51**
